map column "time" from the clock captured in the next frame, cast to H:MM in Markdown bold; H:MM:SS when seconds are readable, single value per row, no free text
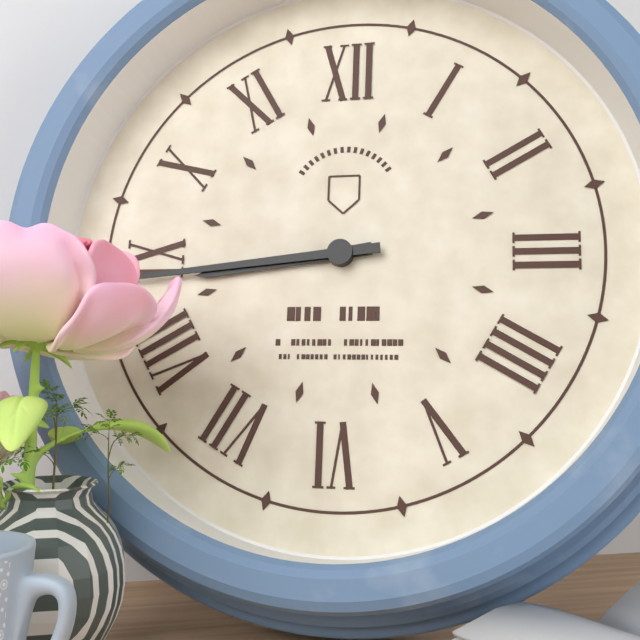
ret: **8:44**
